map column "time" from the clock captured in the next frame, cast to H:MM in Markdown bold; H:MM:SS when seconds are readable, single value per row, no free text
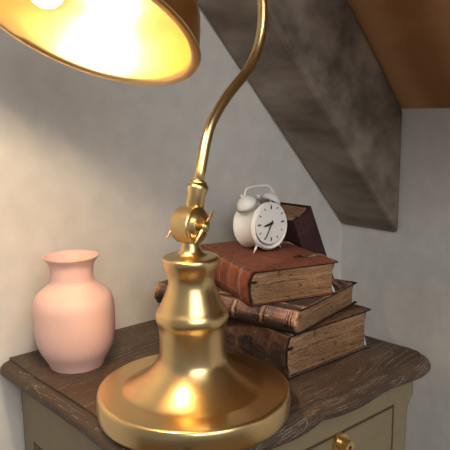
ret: **8:35**
